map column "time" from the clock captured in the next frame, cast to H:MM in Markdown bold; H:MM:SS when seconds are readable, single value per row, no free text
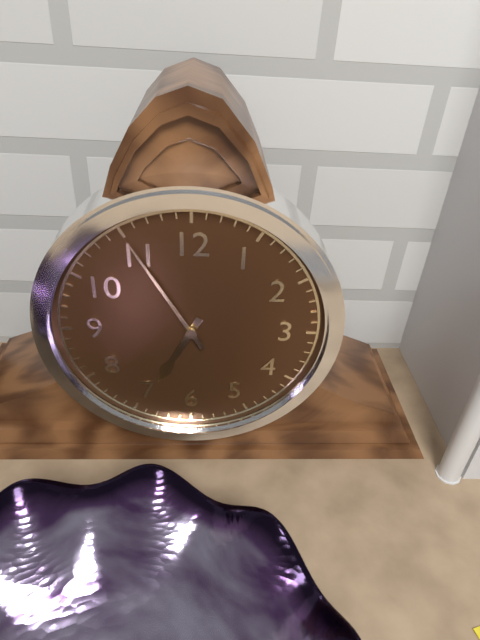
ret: **6:55**
